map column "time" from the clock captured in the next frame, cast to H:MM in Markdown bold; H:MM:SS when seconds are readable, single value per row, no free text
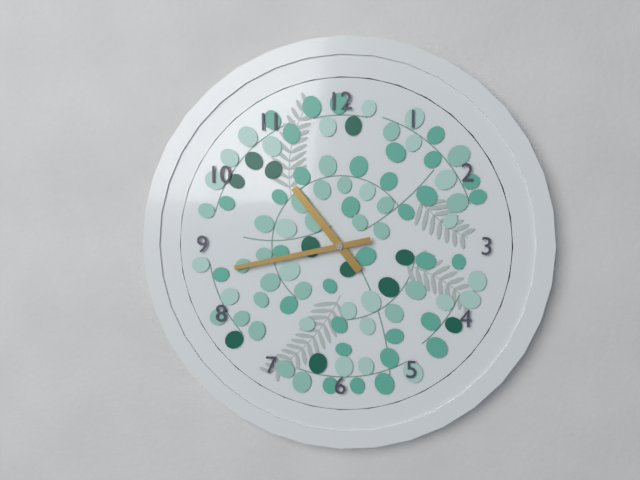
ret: **10:43**
